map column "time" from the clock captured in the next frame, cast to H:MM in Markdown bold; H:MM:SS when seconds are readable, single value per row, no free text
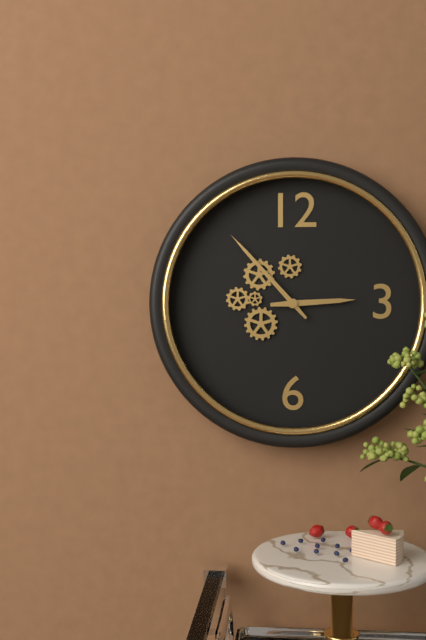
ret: **2:53**
